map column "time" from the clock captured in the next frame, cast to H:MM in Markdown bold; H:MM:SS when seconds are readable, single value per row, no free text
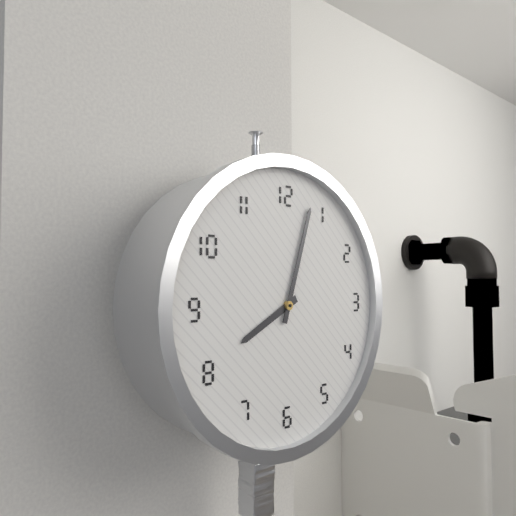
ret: **8:03**
